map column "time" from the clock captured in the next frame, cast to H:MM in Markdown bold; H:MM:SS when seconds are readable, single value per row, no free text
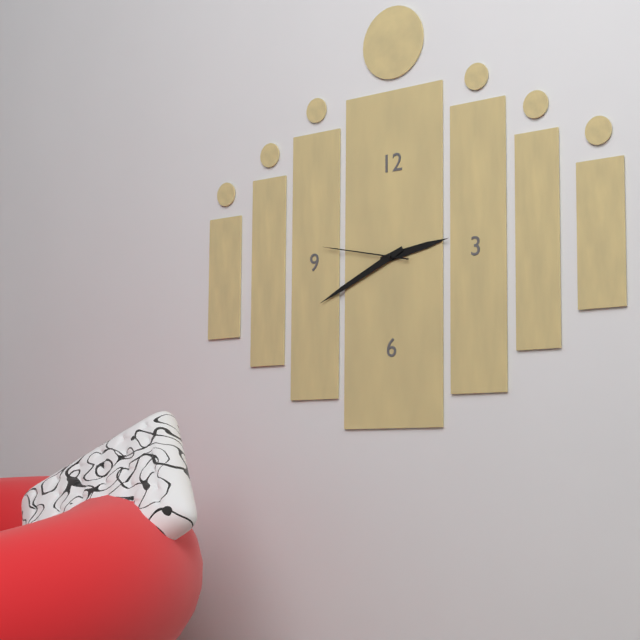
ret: **2:41:47**
